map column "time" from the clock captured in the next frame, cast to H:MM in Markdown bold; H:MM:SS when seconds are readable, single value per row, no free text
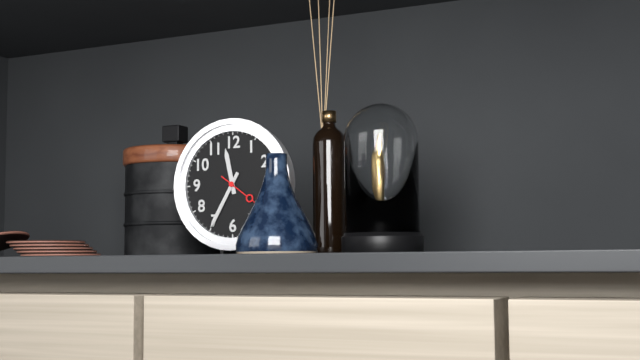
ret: **11:35**
